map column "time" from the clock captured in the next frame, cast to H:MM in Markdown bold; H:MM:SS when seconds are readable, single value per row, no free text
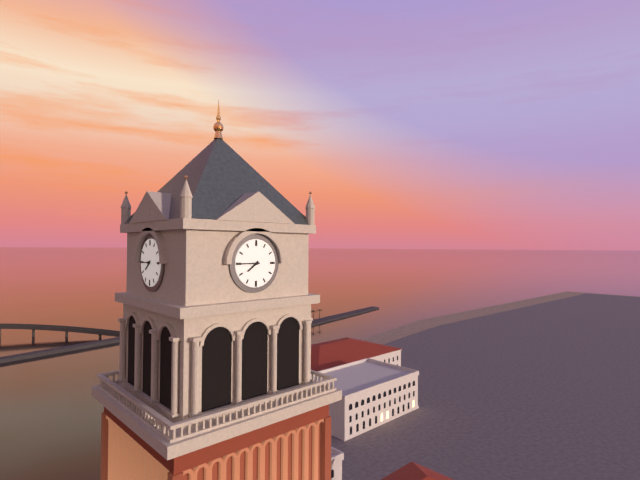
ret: **7:45**
